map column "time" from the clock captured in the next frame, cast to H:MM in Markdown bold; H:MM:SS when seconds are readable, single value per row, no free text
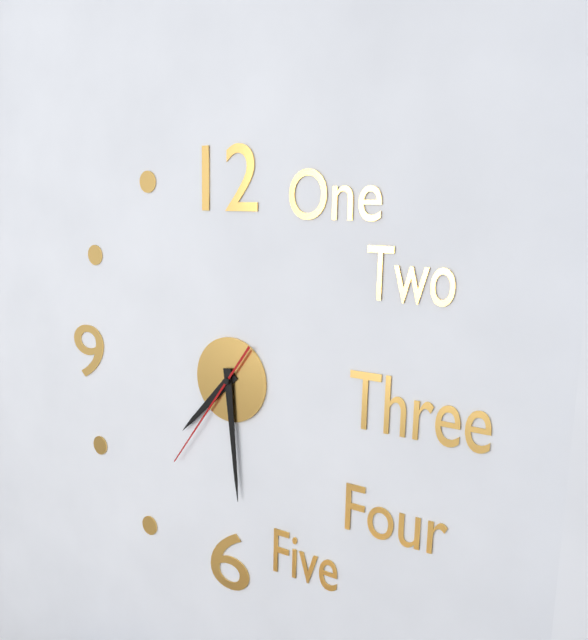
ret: **7:29:36**
